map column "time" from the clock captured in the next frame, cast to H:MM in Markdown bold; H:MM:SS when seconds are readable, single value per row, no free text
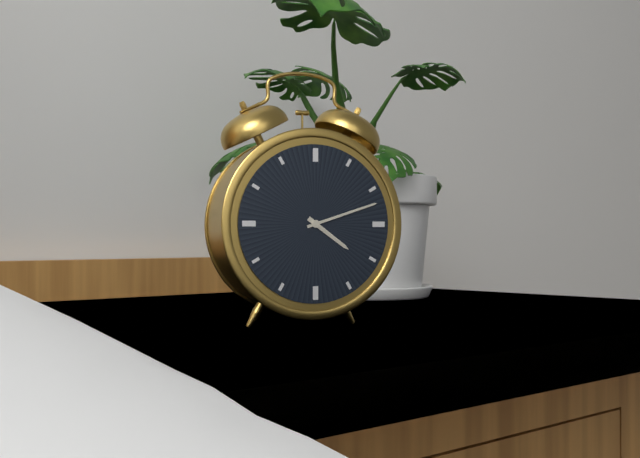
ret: **4:12**
